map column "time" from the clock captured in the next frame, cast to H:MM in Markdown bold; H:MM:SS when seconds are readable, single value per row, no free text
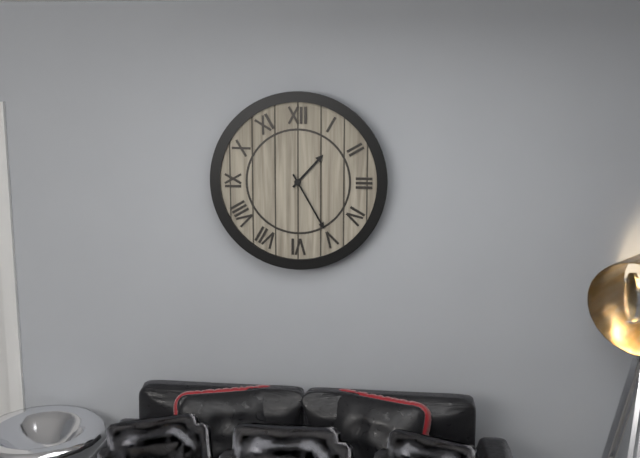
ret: **1:25**
